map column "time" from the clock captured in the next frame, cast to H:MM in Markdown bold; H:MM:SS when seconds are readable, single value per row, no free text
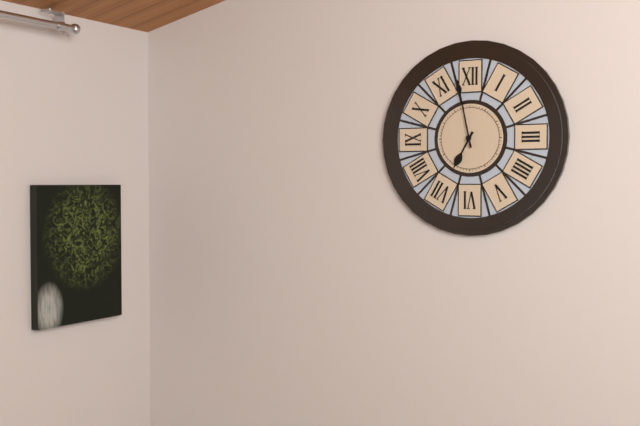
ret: **6:58**
